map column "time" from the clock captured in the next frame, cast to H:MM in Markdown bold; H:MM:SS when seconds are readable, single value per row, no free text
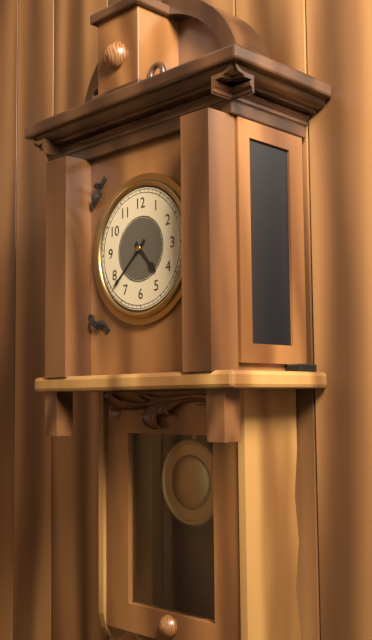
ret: **4:38**
